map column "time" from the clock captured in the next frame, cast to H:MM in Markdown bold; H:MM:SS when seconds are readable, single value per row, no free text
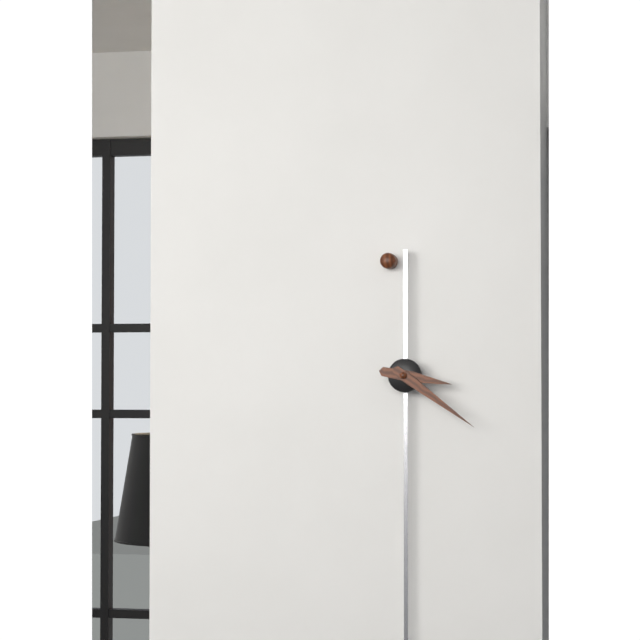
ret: **3:21**
